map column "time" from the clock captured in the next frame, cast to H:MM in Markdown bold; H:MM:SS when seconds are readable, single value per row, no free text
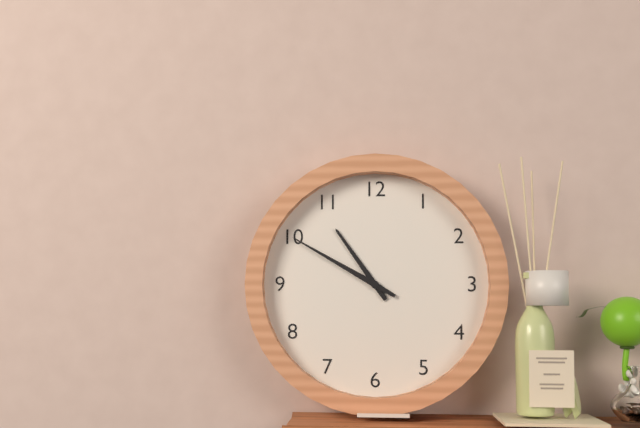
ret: **10:50**
